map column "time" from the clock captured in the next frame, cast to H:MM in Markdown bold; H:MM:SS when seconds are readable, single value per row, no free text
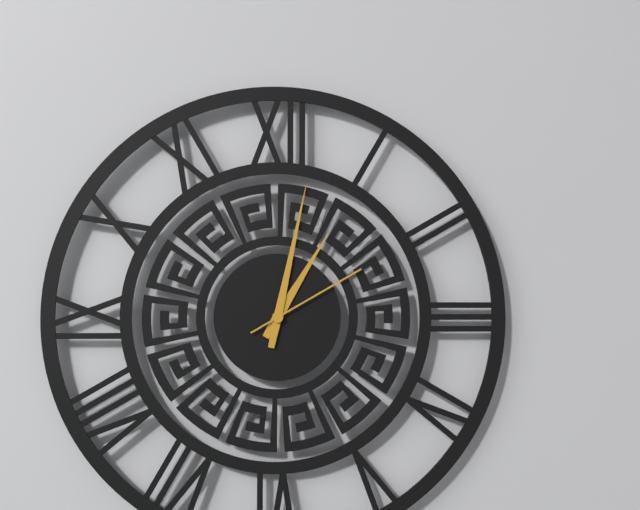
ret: **1:02:10**
